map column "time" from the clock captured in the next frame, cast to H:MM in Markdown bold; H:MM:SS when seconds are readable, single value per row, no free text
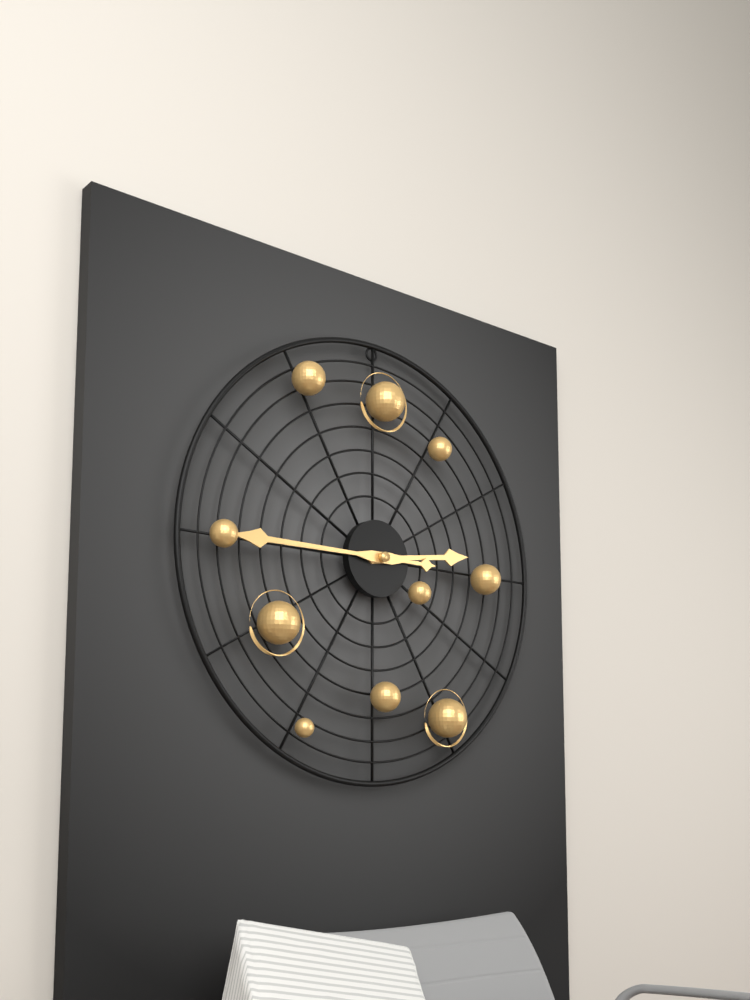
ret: **2:45**
